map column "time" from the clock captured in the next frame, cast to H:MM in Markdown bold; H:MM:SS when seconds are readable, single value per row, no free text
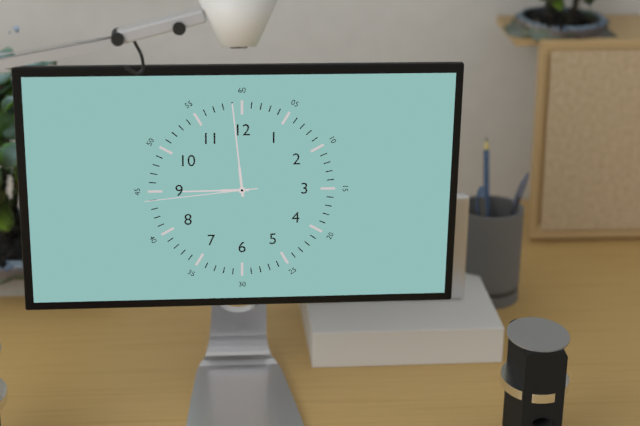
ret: **8:59:44**
